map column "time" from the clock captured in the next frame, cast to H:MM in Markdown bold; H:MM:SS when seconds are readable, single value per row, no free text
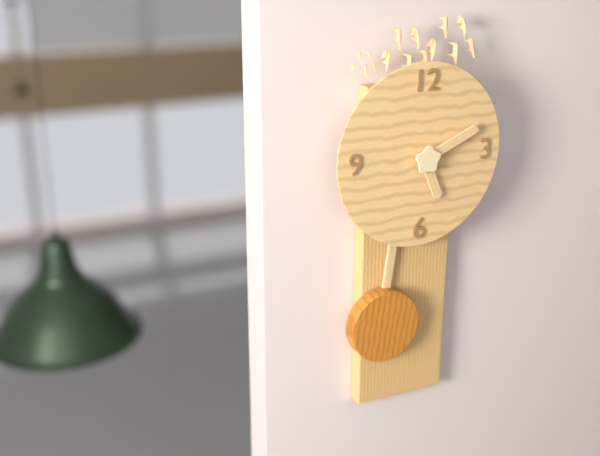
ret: **5:11**
